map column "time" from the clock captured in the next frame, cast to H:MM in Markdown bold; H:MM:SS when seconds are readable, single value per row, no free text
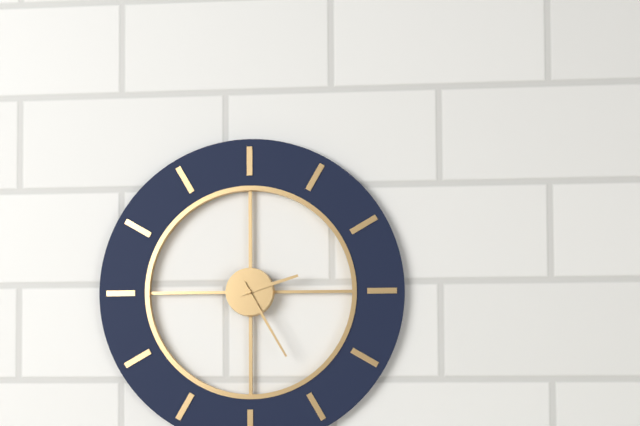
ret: **2:25**
